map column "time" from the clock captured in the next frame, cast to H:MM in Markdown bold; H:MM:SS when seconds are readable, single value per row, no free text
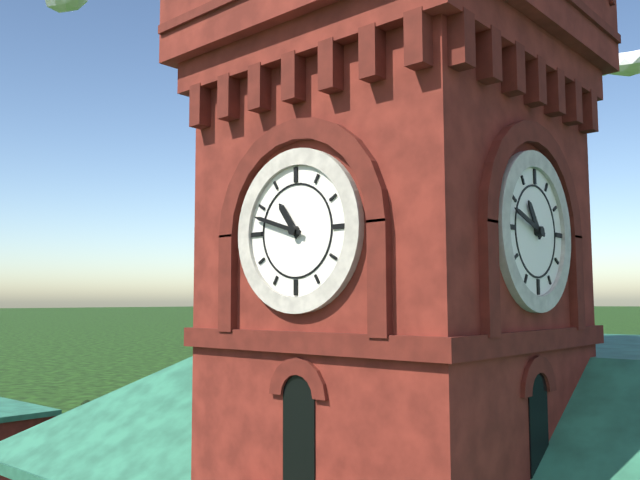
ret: **10:48**
